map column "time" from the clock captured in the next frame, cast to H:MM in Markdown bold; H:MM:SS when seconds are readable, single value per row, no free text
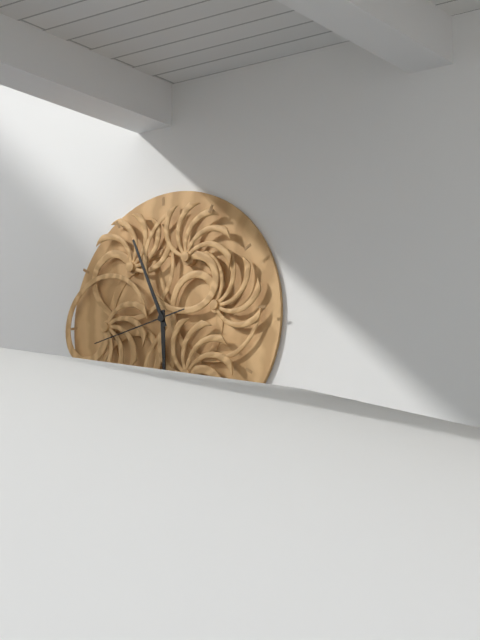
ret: **5:56:43**
